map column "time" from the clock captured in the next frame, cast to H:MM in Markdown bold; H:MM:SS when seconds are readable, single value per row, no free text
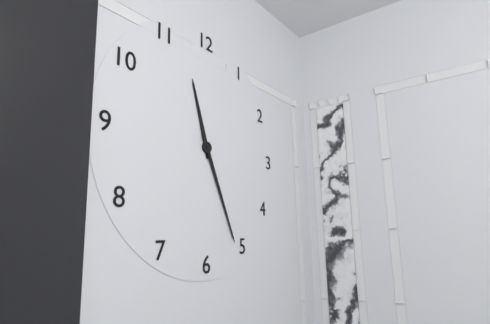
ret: **11:26**
